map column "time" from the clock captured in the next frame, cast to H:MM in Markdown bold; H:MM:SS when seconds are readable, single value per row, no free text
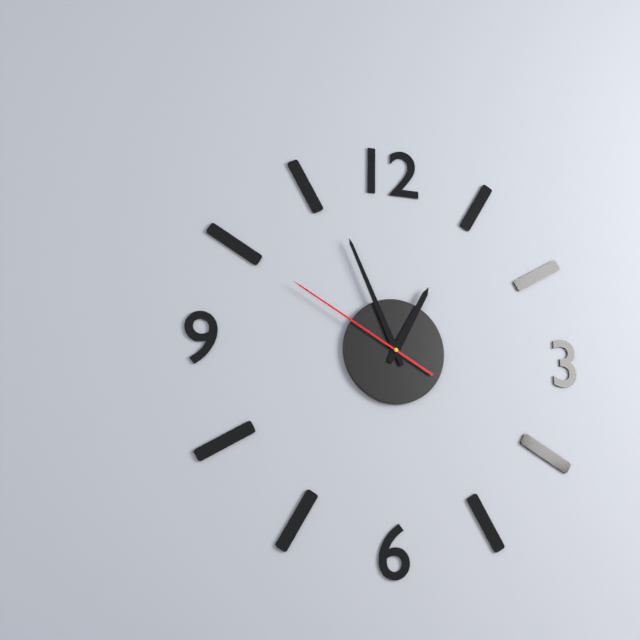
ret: **12:56:50**
